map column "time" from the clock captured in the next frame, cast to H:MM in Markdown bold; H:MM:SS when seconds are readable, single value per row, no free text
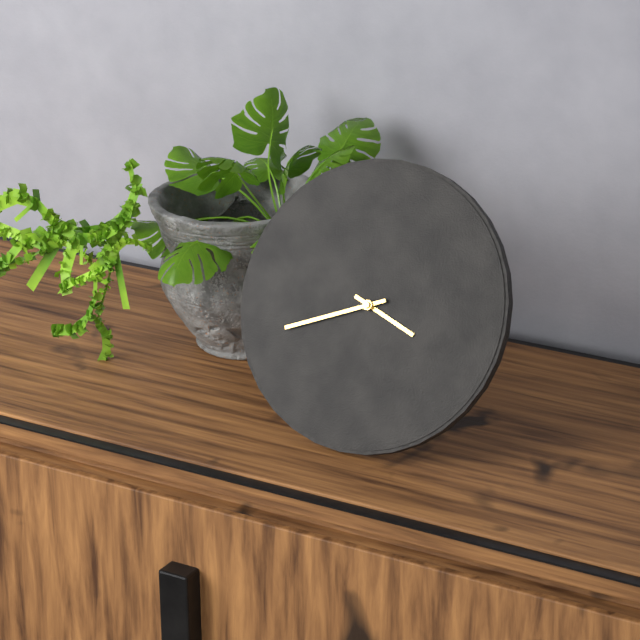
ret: **3:41**
